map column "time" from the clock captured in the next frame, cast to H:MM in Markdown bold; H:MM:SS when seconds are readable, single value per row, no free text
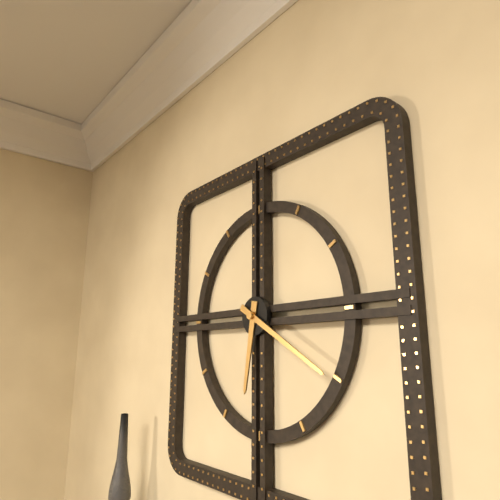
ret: **6:20**
